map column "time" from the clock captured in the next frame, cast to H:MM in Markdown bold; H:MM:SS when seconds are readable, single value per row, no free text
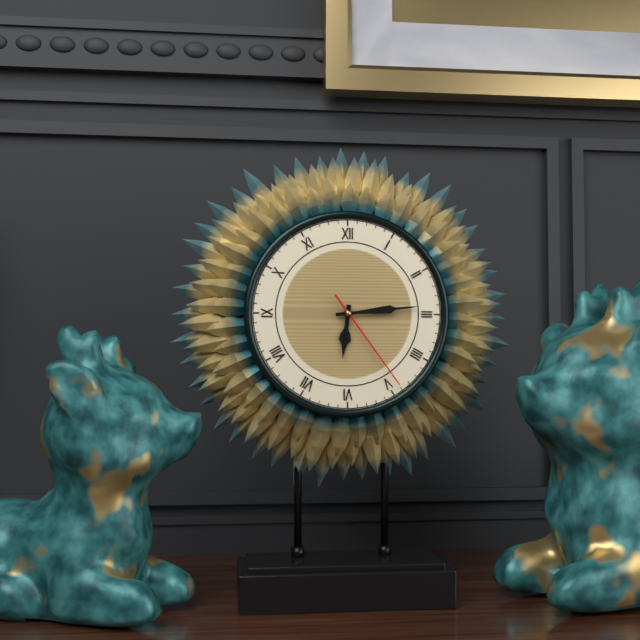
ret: **6:14:24**
